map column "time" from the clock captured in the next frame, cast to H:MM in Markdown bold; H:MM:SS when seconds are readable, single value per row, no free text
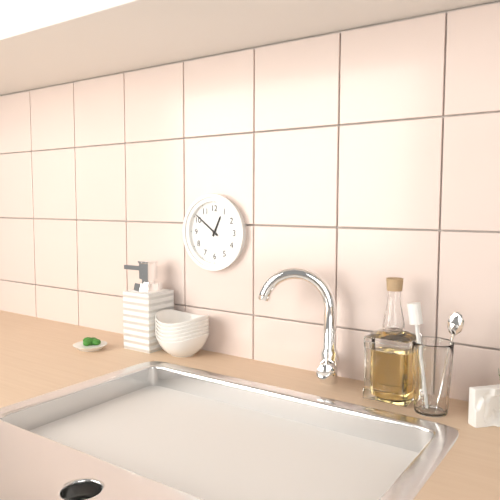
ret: **12:51**
